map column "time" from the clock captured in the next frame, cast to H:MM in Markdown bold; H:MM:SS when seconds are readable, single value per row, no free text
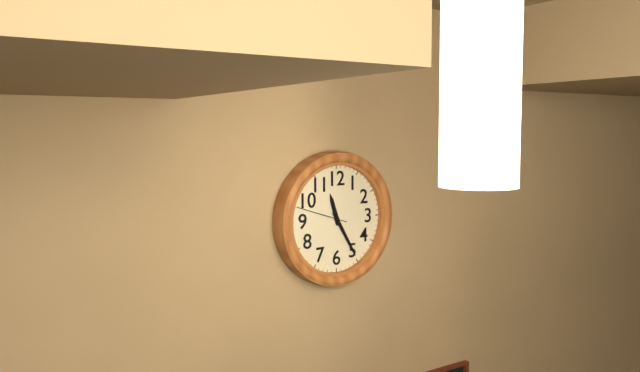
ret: **11:25:48**
